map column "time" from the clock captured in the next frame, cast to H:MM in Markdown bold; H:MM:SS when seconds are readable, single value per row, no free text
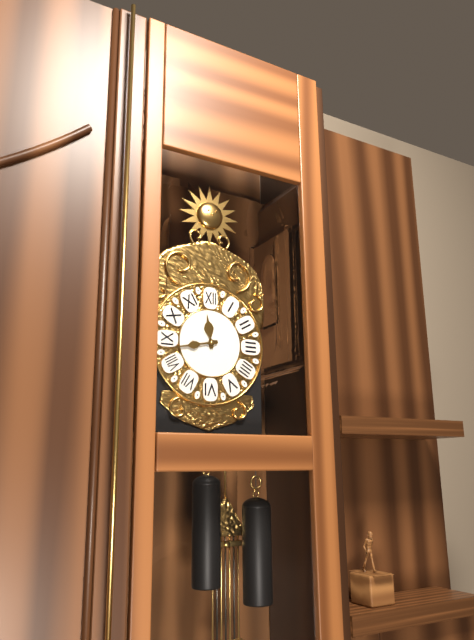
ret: **11:43**
